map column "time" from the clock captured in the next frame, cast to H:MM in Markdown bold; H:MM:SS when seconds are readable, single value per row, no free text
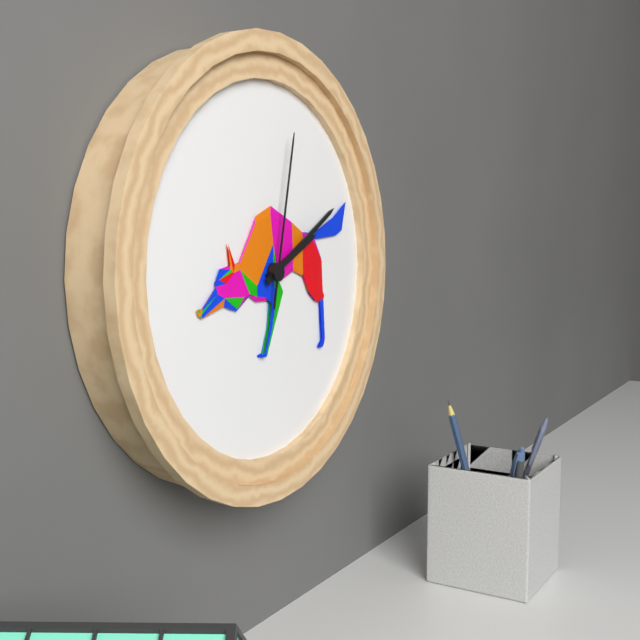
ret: **2:10:02**
